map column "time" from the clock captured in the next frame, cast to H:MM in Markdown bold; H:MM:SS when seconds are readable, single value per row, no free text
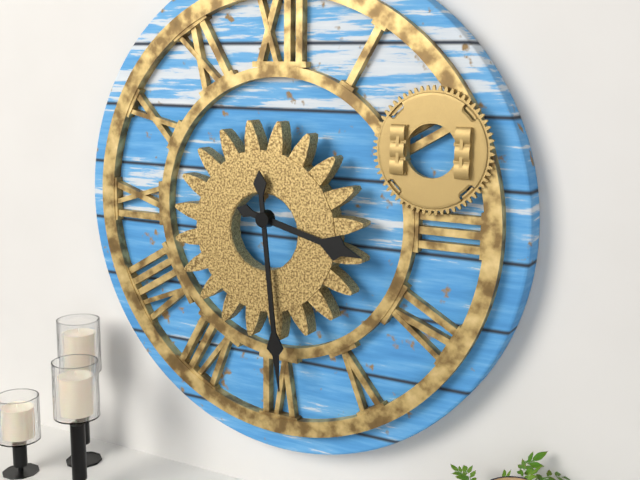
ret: **3:29**
